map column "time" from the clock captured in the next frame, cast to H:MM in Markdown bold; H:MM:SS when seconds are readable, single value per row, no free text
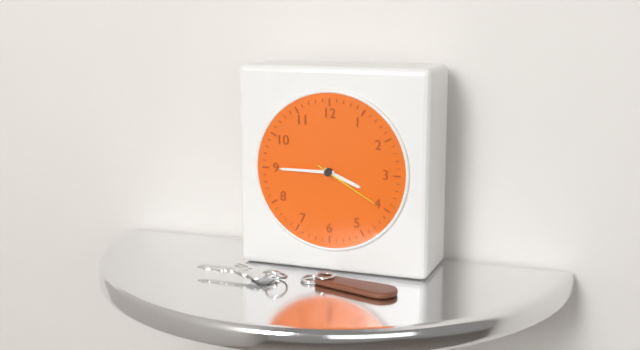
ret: **3:45:20**
